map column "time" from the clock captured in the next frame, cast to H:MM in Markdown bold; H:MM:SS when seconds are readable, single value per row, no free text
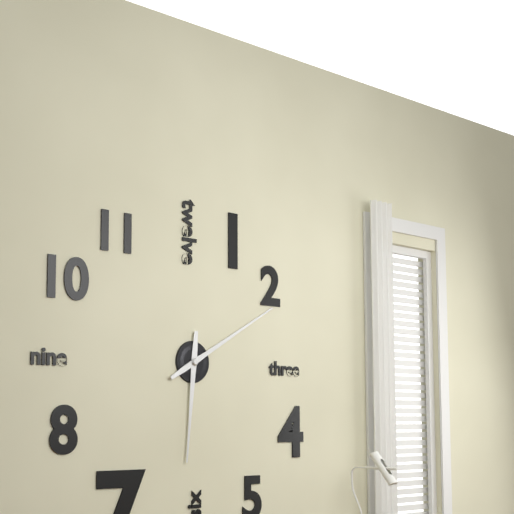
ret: **6:10**
